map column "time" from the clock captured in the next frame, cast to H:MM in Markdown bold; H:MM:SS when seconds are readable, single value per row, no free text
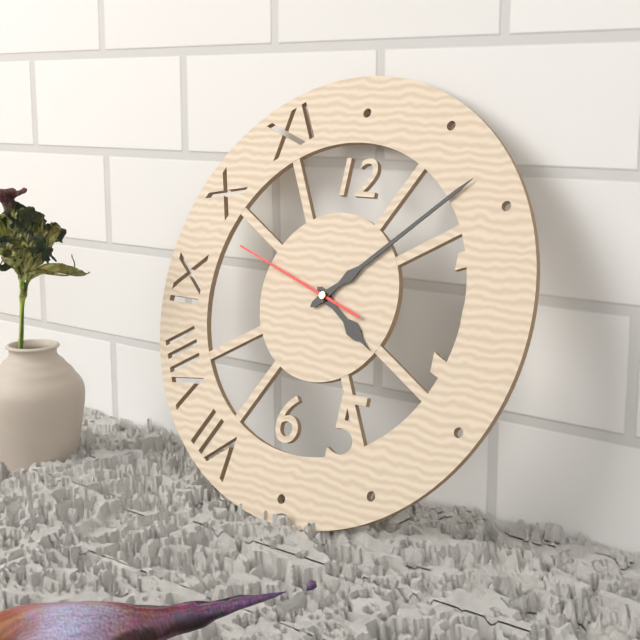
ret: **4:08:48**
